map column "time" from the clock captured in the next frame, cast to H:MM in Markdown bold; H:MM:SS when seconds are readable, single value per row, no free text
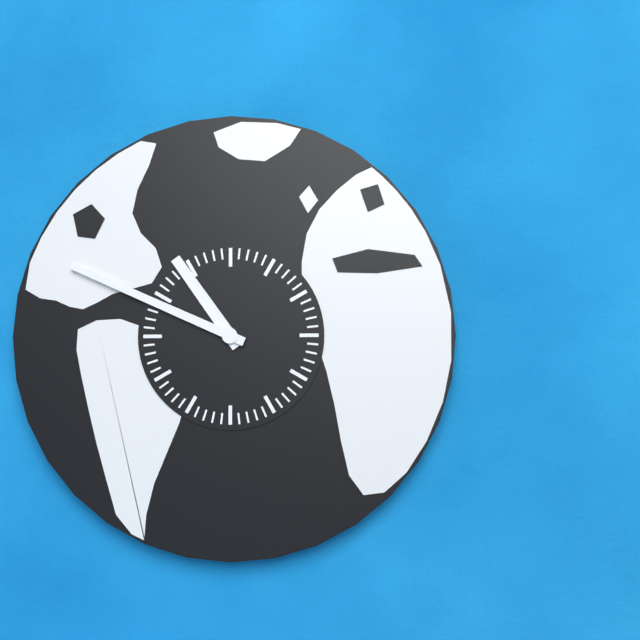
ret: **10:49**
